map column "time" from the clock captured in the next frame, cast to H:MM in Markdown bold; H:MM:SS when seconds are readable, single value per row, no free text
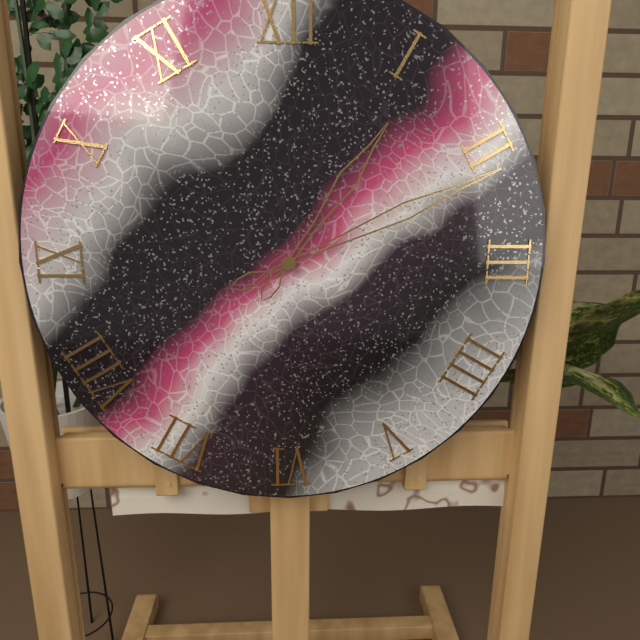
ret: **1:11**
